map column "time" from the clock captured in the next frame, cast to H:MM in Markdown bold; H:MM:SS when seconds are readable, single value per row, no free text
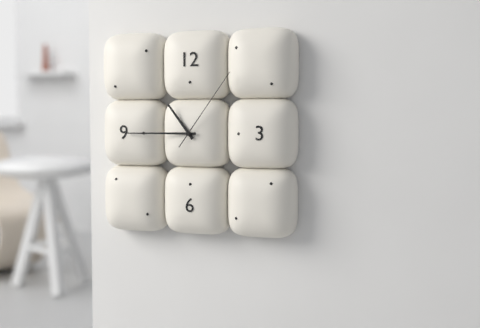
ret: **10:45:06**
